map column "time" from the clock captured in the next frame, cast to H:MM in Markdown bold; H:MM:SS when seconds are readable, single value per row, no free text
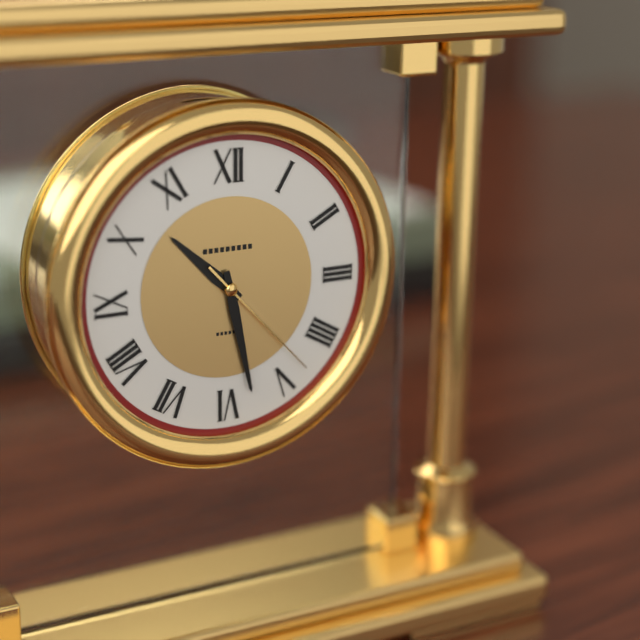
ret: **10:28:23**
